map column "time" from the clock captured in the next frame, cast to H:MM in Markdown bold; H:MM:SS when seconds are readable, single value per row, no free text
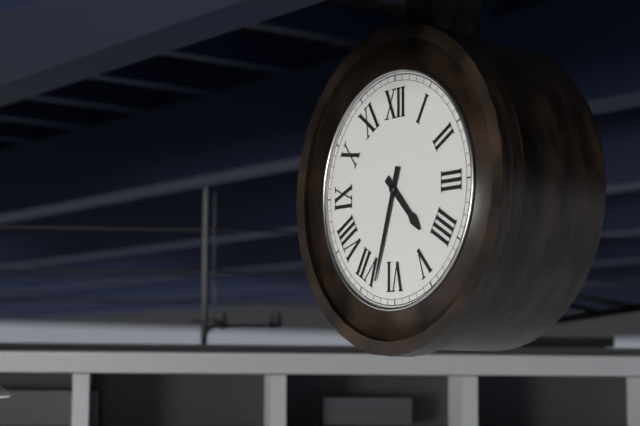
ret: **4:33**
